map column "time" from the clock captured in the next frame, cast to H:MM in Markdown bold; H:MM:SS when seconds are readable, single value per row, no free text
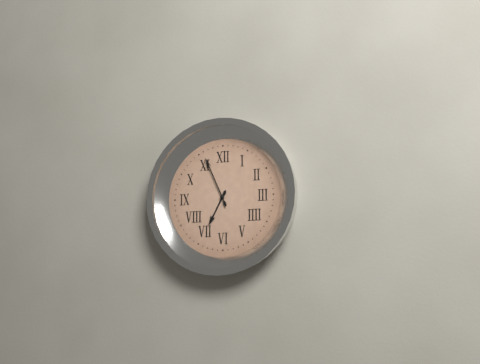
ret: **6:56**
